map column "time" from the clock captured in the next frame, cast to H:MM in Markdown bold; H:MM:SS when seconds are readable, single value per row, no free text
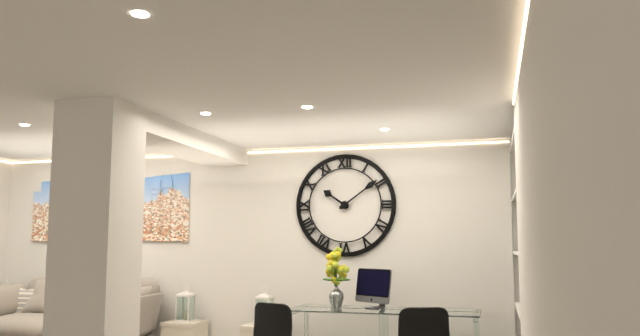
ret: **10:09**
